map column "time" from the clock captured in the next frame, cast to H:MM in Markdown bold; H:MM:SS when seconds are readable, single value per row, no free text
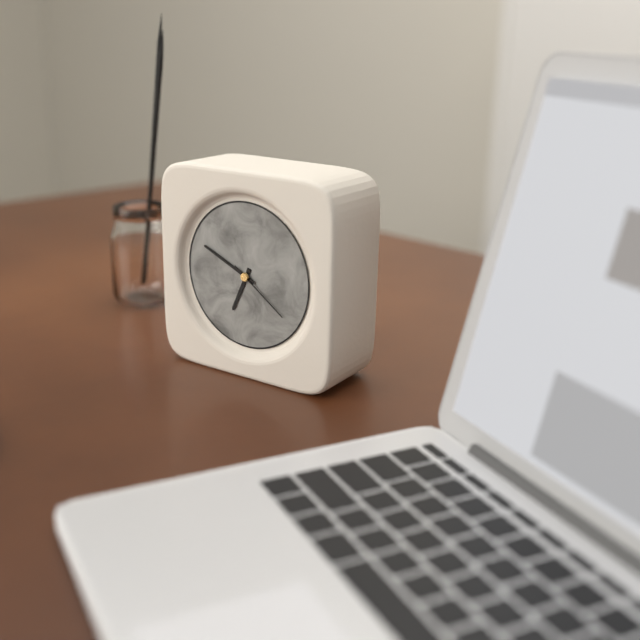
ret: **6:49:21**
